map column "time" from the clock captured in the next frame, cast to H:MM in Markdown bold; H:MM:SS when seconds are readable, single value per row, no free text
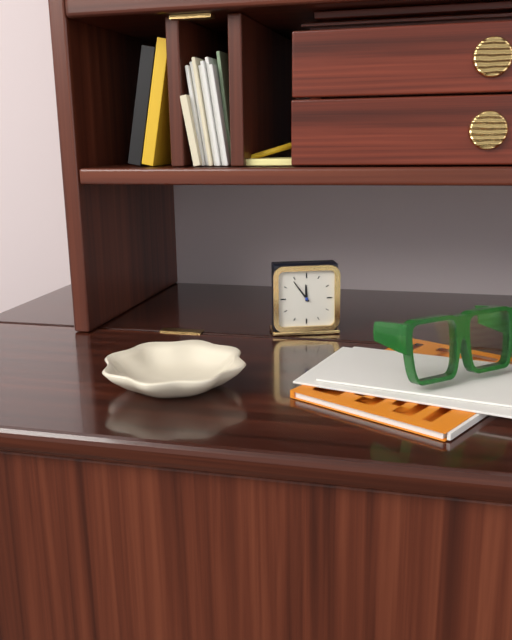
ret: **11:54**
